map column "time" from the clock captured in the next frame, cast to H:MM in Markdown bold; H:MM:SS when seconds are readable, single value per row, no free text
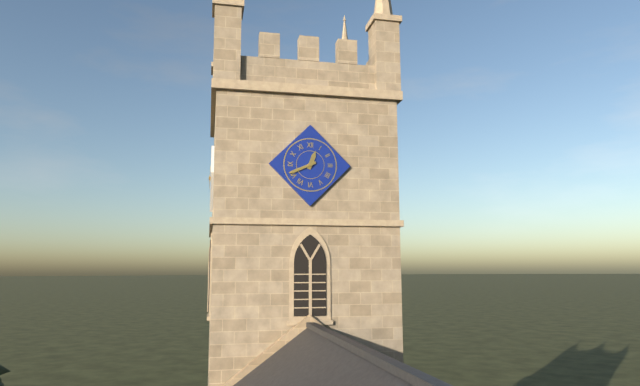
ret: **12:41**
